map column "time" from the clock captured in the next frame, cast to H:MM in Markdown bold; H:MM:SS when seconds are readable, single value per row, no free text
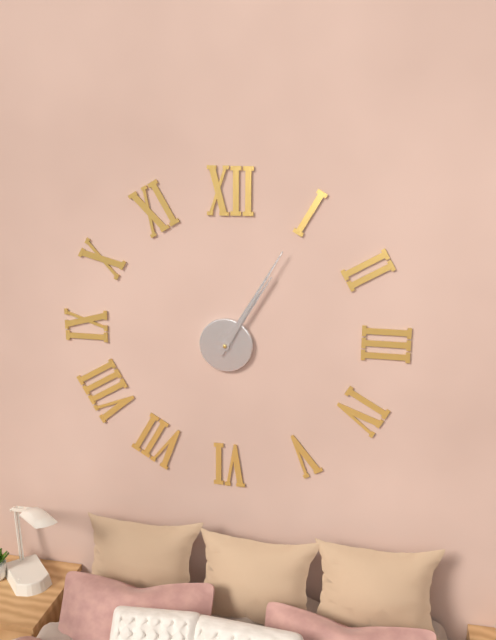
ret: **1:05**
